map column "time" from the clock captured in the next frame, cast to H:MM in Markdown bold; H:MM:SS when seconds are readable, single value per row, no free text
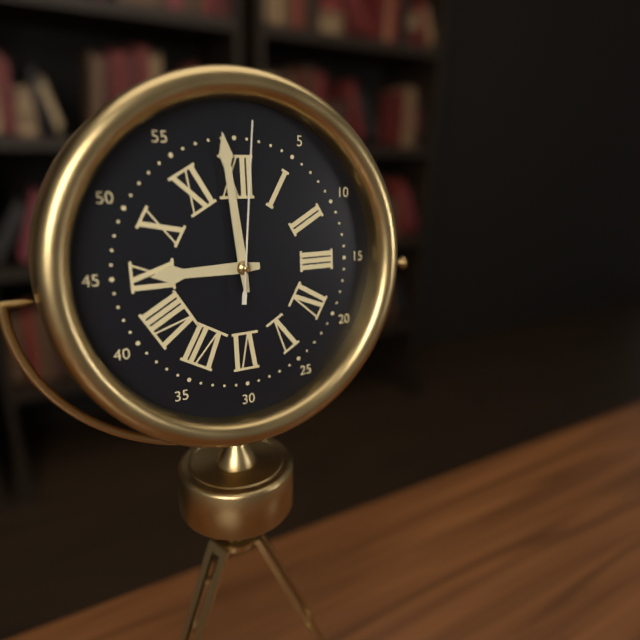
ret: **8:59:01**
